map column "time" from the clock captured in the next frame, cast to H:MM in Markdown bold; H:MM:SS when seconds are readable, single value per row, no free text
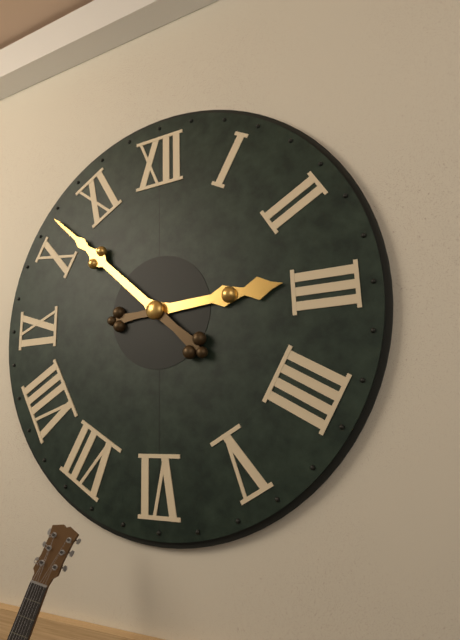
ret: **2:52**
